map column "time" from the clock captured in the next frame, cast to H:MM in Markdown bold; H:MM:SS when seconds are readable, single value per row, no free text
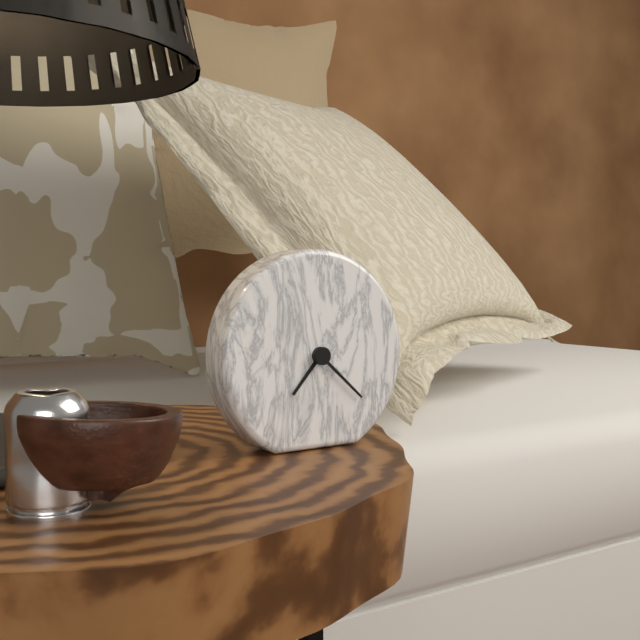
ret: **7:22**
